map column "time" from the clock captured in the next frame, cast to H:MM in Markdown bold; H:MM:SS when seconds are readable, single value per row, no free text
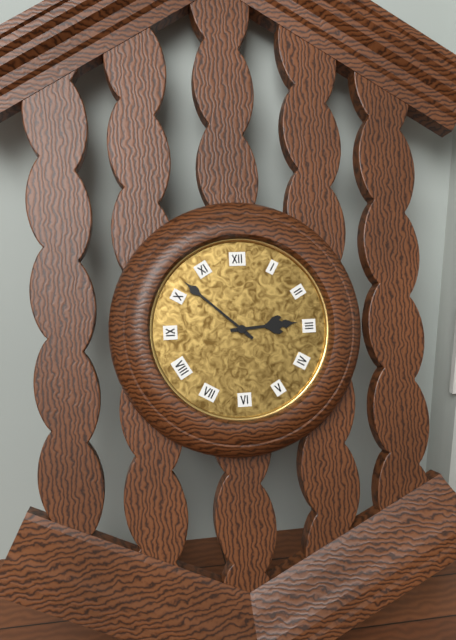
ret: **2:52**
